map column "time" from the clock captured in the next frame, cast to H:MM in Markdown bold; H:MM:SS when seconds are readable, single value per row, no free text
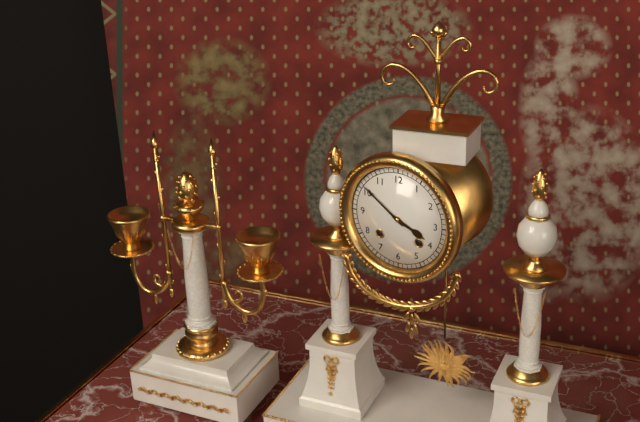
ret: **3:51**
